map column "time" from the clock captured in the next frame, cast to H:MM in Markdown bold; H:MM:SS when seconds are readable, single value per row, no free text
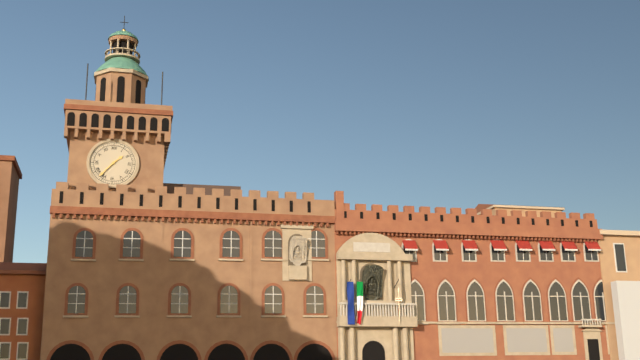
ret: **1:37**
